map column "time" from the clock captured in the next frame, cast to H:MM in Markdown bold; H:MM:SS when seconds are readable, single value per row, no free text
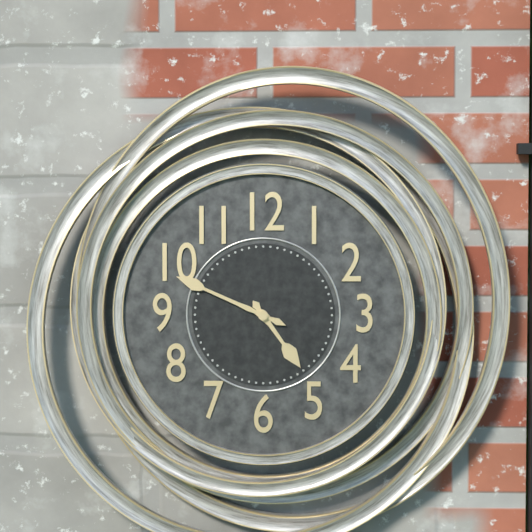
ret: **4:49**
